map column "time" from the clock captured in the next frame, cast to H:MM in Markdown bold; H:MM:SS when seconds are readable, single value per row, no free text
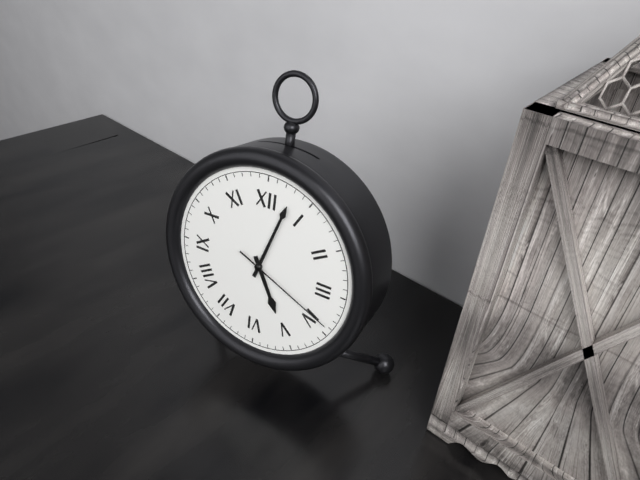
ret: **5:03:19**
